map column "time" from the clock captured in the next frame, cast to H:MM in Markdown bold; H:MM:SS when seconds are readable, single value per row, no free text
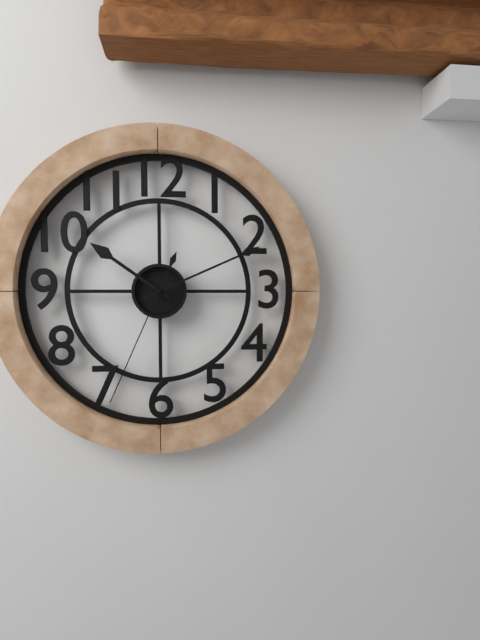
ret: **10:11:34**
